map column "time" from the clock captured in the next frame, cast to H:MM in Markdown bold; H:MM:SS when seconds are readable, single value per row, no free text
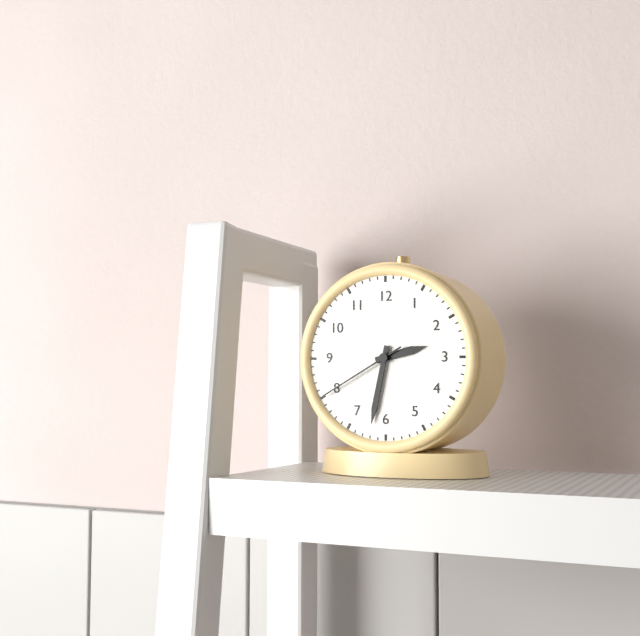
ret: **2:32:40**
